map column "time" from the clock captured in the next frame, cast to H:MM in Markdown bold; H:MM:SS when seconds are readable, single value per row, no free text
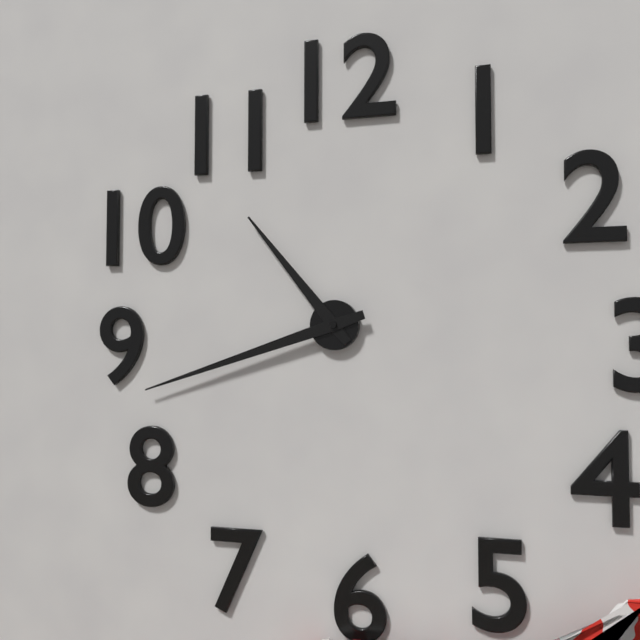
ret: **10:42**
